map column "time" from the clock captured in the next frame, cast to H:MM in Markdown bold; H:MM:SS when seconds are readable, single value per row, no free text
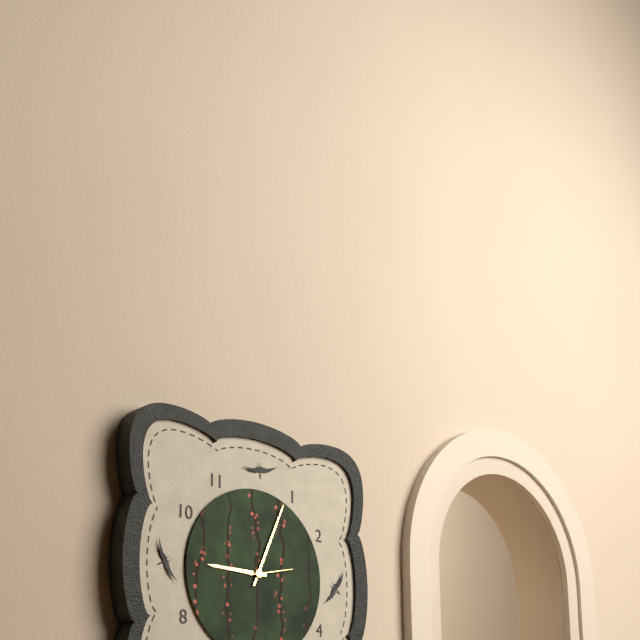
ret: **9:04**
